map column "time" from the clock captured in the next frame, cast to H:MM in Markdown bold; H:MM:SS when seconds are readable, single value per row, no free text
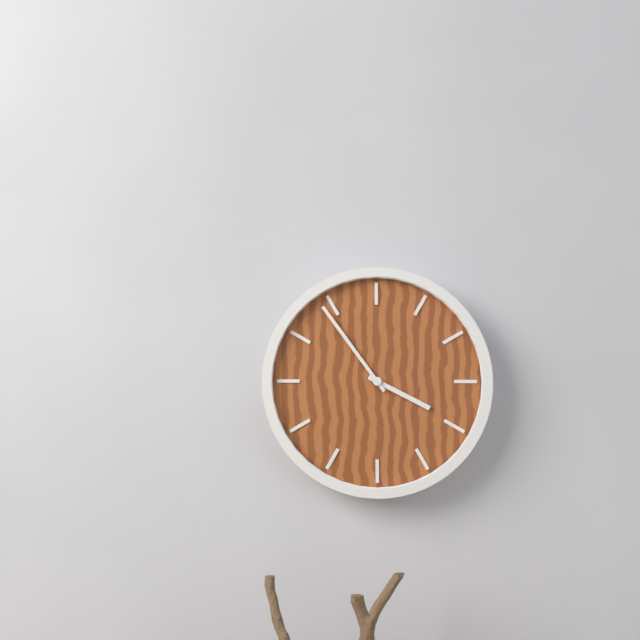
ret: **3:54**
